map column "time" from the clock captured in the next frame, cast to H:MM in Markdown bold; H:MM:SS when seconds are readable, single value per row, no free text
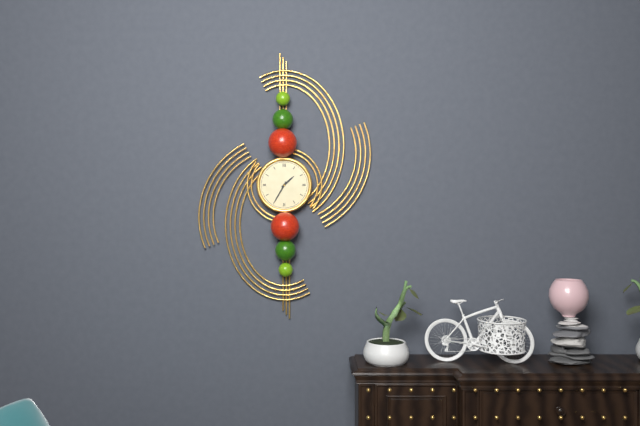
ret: **1:35**
